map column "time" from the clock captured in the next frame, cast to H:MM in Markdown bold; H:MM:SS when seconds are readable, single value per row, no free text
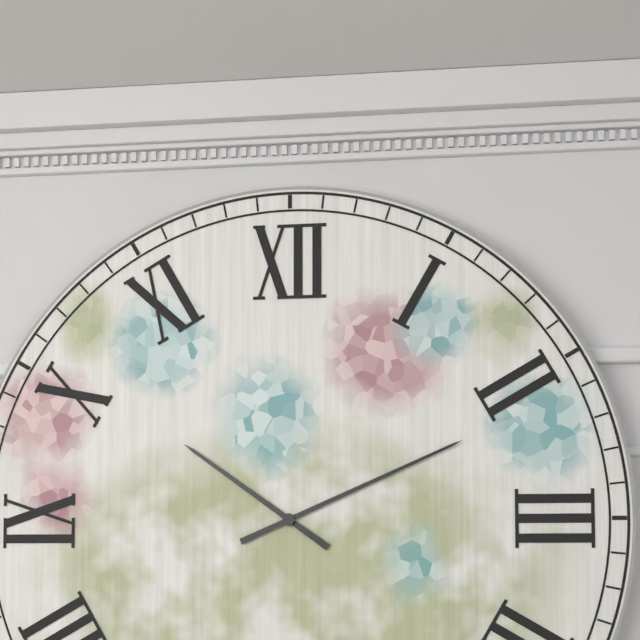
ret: **10:11**
